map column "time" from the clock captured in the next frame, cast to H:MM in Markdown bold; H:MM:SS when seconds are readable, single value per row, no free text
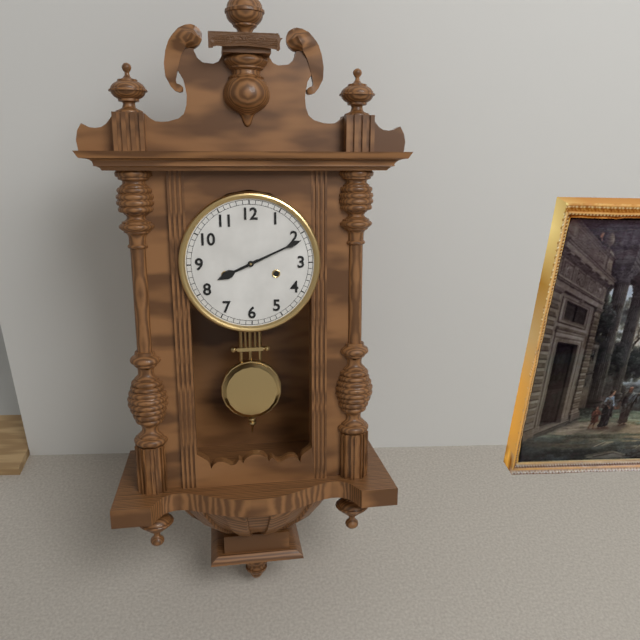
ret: **8:11**
